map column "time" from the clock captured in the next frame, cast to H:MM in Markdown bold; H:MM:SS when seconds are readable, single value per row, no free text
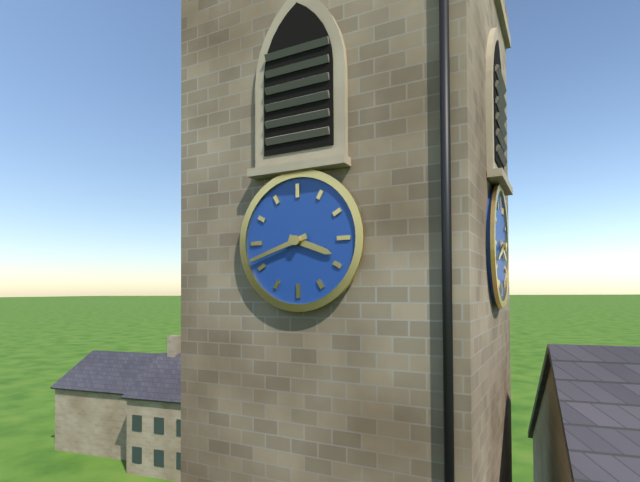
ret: **3:42**
